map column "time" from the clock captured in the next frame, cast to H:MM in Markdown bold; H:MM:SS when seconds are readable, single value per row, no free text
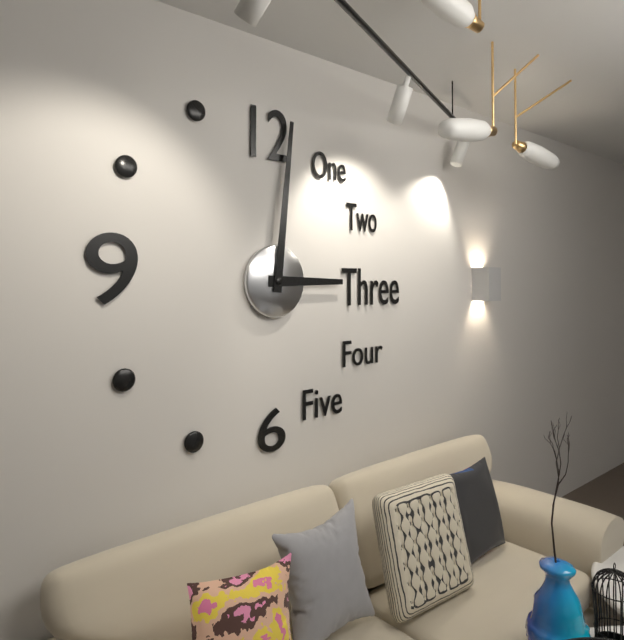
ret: **3:01**
